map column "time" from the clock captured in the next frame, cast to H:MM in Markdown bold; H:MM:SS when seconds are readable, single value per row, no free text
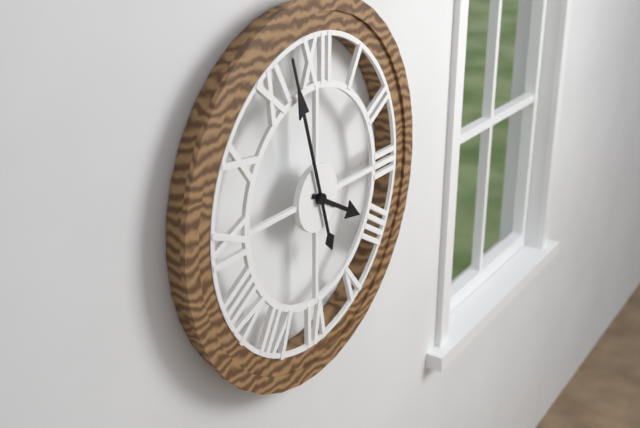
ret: **3:57**
